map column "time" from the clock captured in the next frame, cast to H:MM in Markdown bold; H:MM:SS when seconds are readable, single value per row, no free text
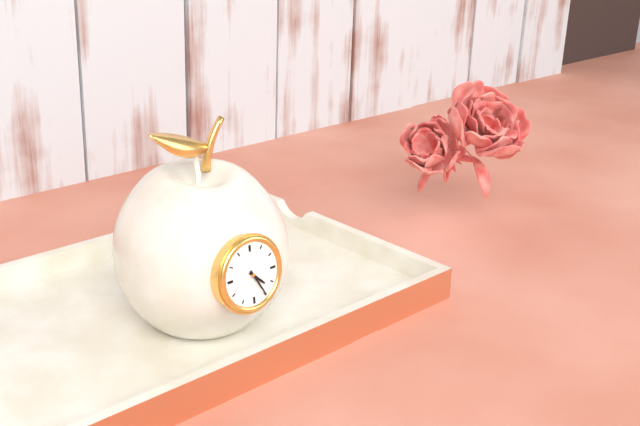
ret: **4:25**
